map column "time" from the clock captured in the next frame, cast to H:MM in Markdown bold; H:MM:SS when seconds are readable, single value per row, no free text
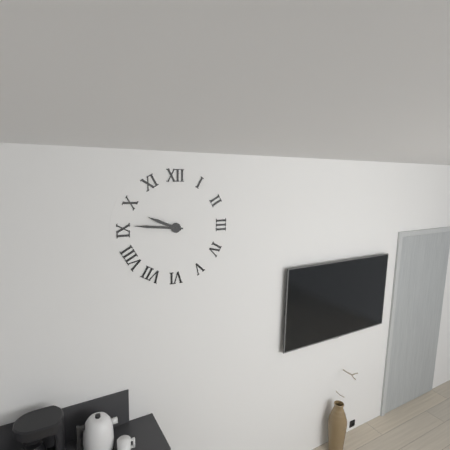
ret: **9:46**
